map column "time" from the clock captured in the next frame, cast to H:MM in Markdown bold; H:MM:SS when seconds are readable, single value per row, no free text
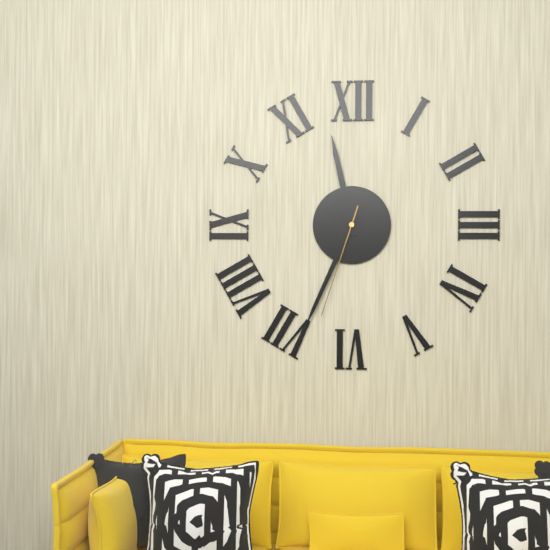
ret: **11:34:33**
